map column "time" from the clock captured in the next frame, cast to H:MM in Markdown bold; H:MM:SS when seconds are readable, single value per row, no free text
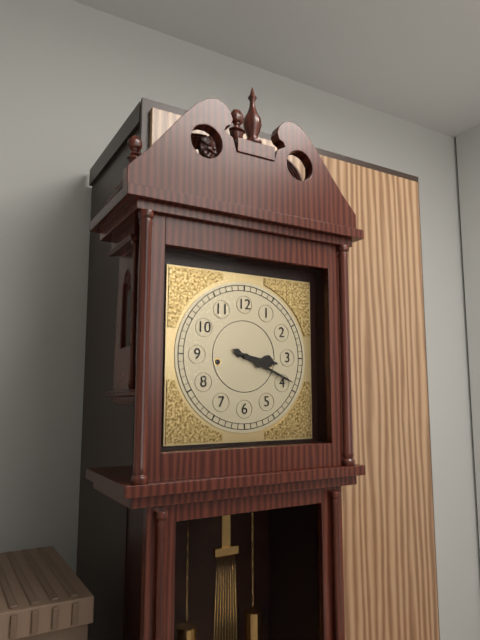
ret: **3:19**
